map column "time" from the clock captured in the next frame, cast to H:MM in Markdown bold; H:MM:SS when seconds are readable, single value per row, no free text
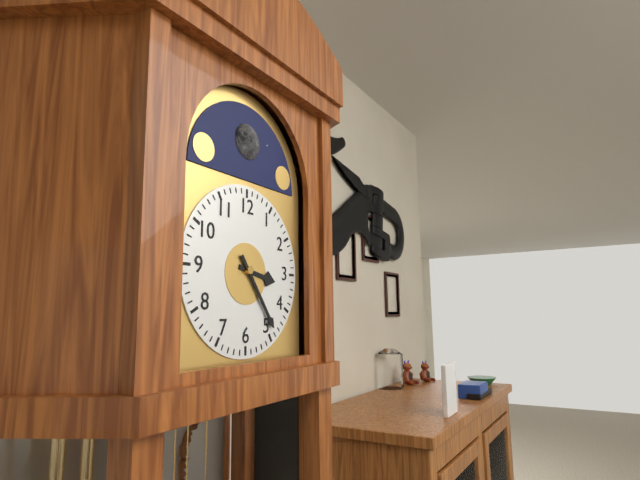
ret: **3:24**
